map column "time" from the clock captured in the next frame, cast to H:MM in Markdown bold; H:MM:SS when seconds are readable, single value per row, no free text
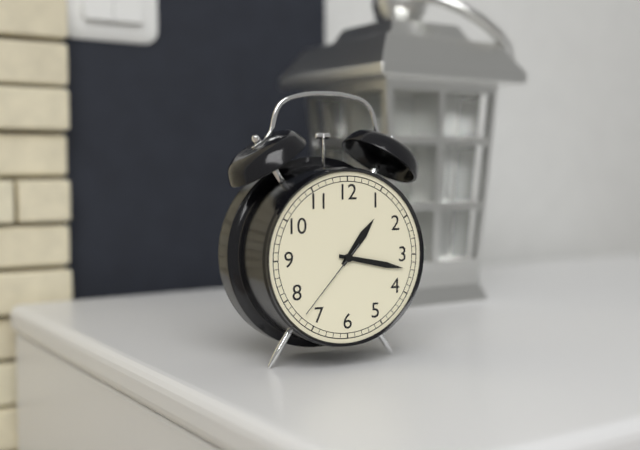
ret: **1:17:37**
